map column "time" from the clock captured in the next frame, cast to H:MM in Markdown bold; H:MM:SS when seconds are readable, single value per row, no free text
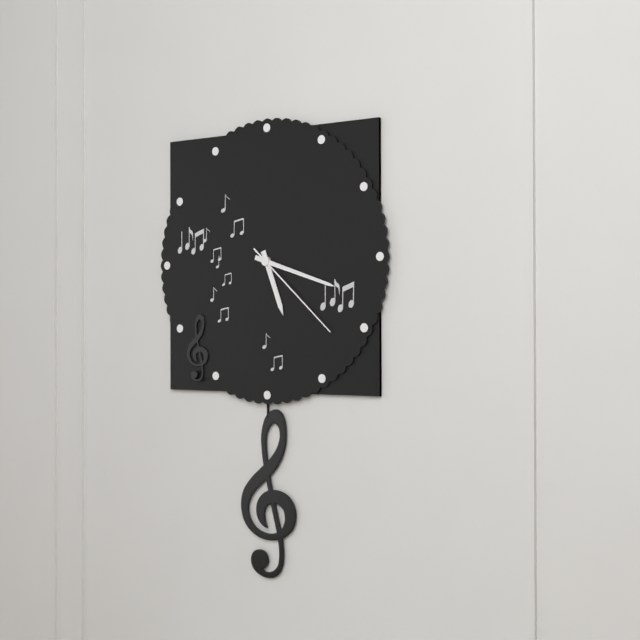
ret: **5:18:22**
